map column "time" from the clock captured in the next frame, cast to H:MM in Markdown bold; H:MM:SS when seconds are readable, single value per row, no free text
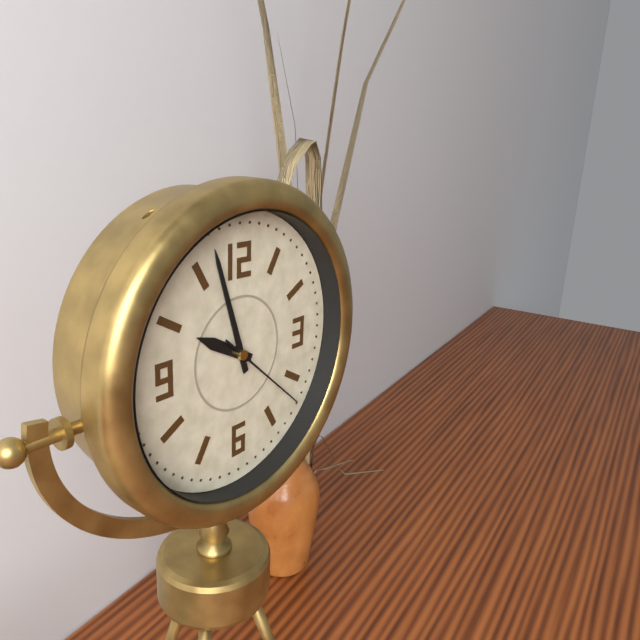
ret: **9:57:22**
